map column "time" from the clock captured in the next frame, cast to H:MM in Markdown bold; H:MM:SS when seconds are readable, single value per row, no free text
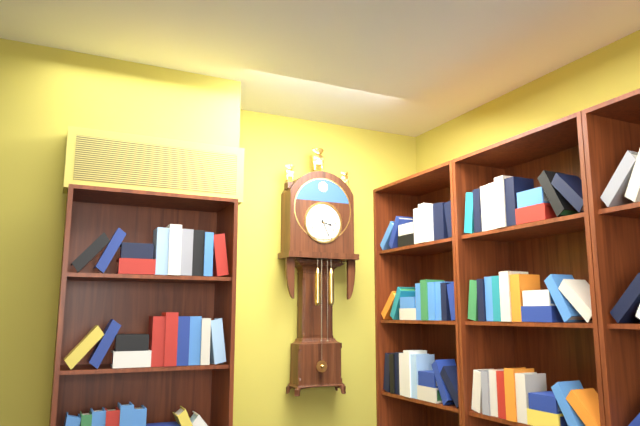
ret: **3:26**
